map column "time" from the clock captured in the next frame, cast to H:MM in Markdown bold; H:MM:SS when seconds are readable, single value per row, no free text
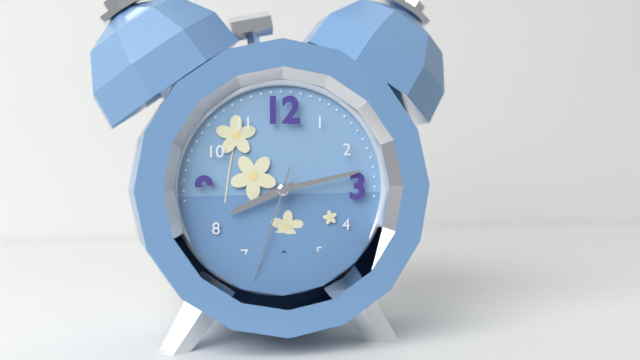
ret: **8:13:33**
